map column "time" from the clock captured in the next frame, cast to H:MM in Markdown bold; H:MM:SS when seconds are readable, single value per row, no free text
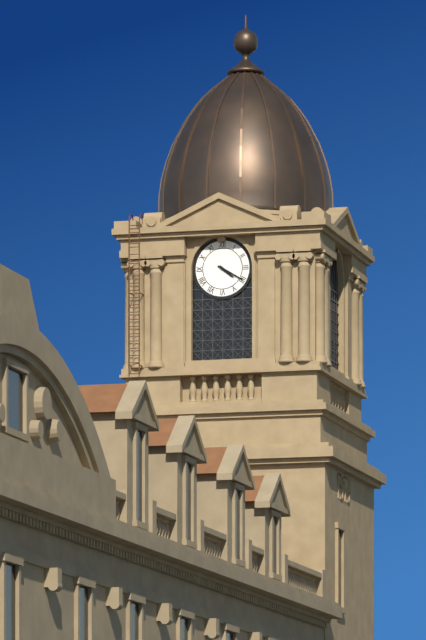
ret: **4:20**
